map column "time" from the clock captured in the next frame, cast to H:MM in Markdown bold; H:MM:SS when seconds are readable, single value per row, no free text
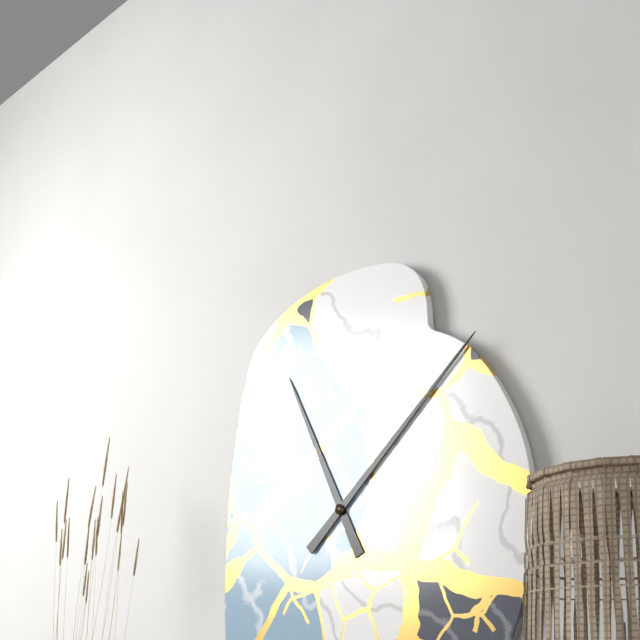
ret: **11:08**
